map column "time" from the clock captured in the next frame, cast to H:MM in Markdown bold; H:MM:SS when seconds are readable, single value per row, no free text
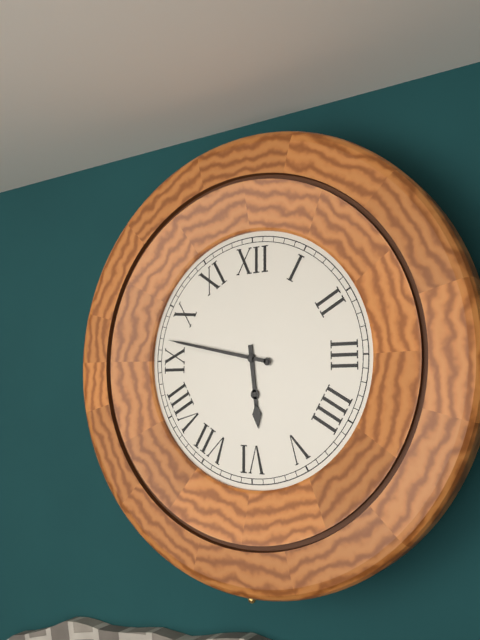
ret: **5:47**
